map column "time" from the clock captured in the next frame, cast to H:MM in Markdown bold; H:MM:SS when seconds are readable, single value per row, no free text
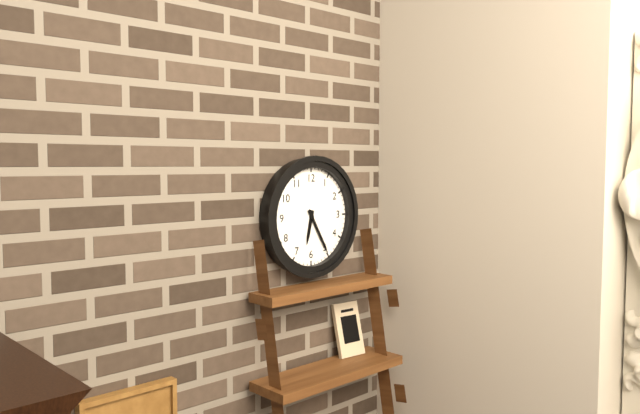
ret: **6:25**
